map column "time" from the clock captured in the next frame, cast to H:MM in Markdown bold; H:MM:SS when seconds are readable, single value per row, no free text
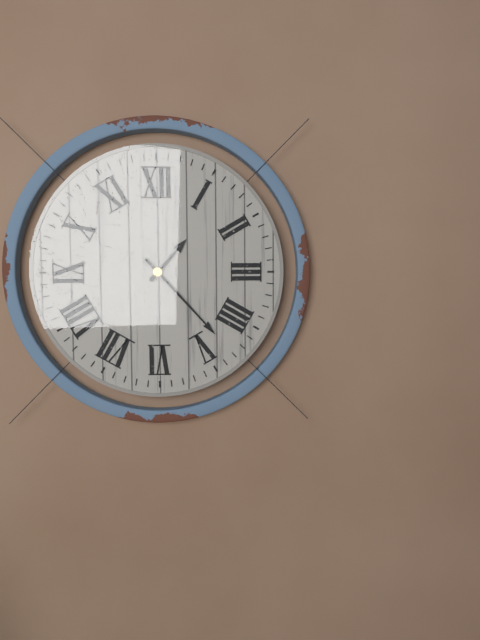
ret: **1:23**
